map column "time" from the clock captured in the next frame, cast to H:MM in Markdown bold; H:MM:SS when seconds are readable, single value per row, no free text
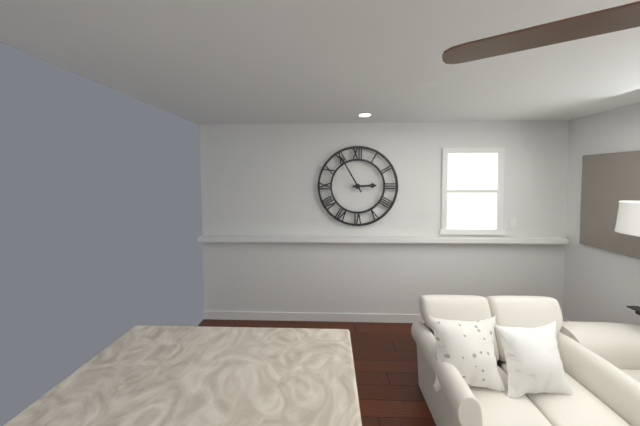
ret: **2:55**
